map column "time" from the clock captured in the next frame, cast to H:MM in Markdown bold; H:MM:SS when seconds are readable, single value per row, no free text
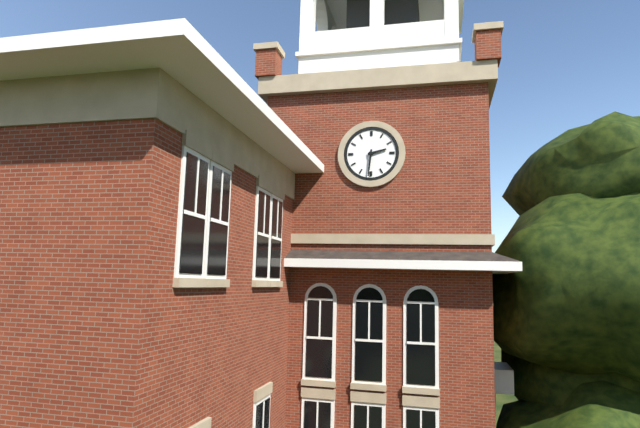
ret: **2:31**
